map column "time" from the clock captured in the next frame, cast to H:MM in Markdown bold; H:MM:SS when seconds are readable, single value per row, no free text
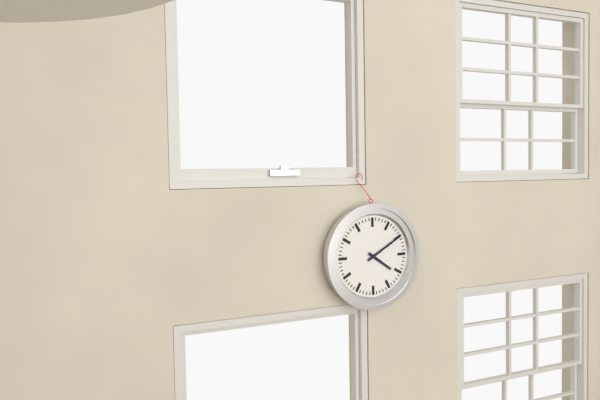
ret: **4:10**
